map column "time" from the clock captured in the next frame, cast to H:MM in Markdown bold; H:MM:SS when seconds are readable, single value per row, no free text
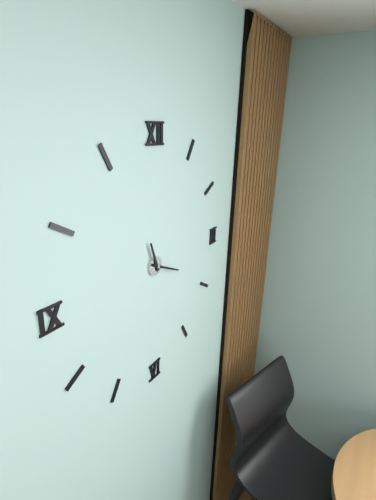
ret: **11:19**
